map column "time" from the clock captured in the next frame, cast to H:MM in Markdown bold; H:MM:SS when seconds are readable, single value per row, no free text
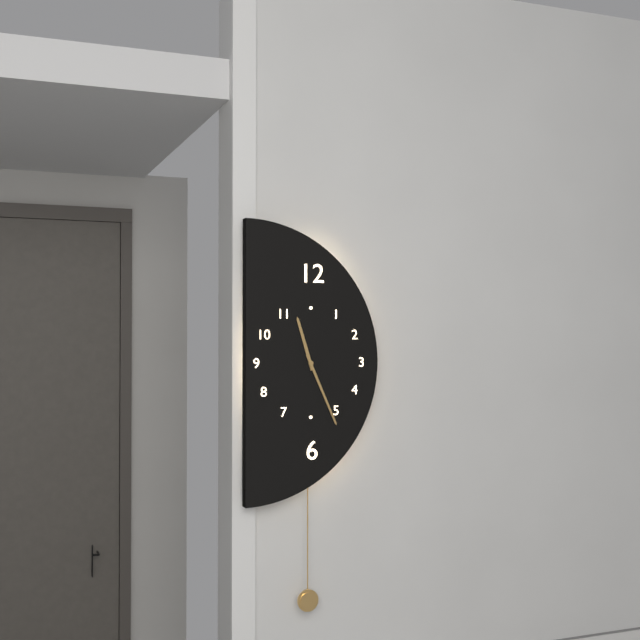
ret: **11:26**
